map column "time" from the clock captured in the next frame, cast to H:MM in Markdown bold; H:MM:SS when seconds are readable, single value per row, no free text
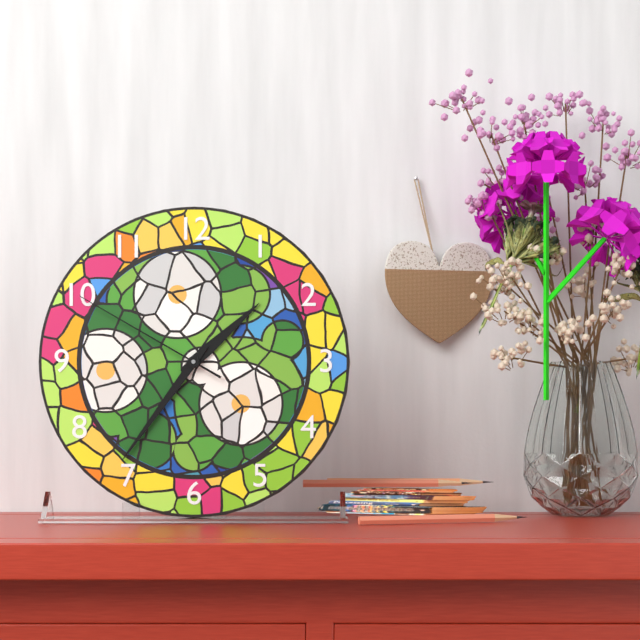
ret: **1:36:50**
